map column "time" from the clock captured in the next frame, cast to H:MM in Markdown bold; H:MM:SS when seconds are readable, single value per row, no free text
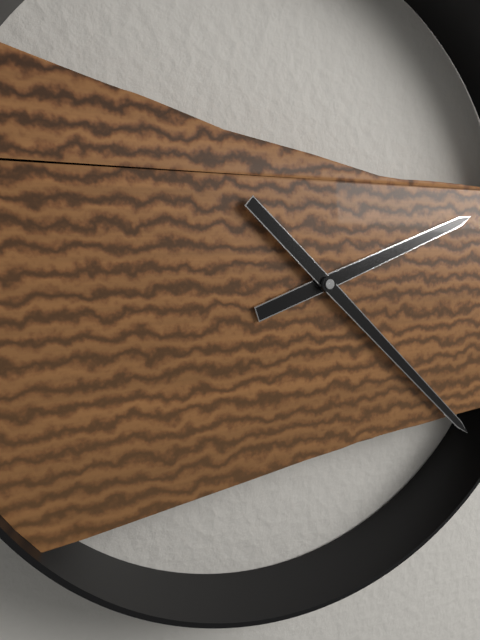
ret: **2:22**
